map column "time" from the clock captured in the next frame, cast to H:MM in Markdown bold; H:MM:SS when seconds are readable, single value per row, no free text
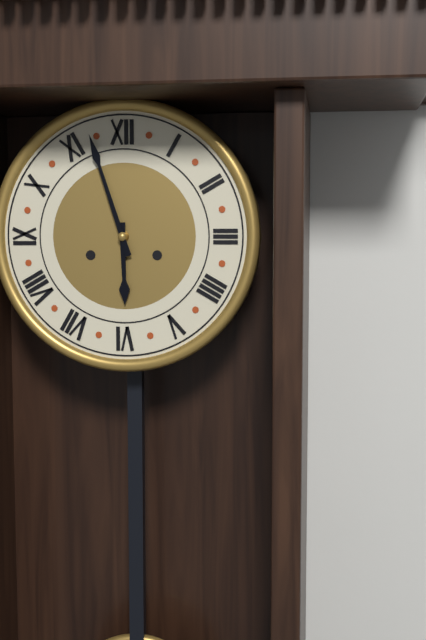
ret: **5:57**
